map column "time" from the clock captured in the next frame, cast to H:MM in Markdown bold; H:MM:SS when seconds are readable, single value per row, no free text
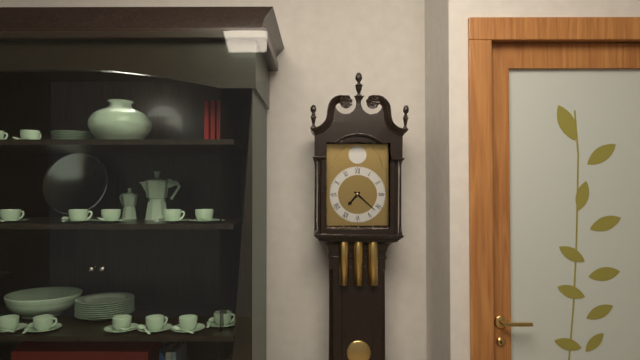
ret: **7:22**
